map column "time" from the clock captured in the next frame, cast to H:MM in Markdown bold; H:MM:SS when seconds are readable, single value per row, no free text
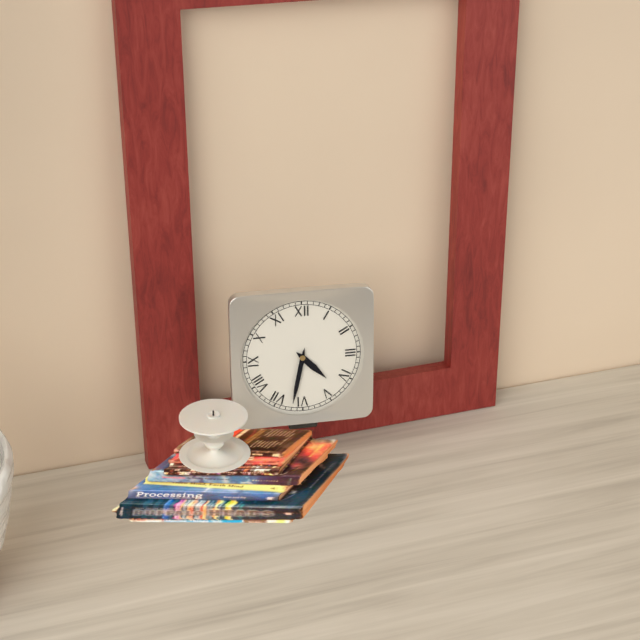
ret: **4:32**
